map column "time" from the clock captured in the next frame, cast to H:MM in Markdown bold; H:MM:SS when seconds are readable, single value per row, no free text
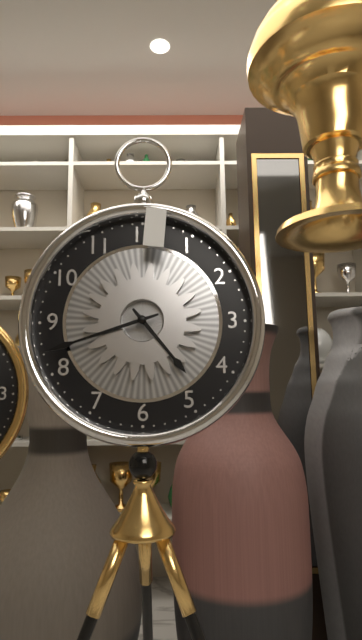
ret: **4:42**
